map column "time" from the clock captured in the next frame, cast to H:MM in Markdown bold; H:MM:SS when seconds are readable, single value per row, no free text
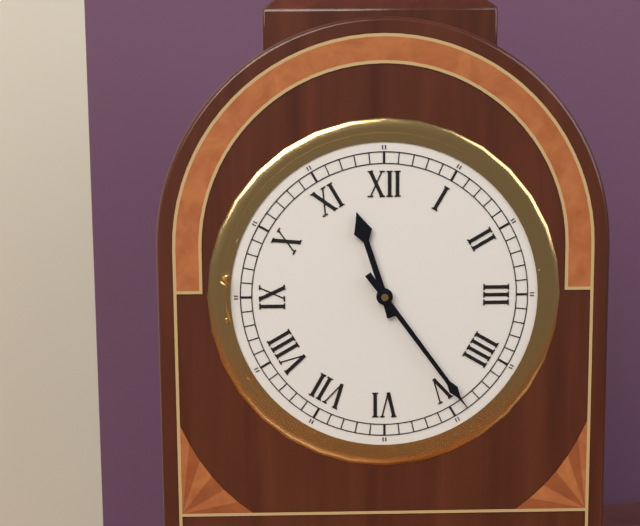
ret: **11:24**
